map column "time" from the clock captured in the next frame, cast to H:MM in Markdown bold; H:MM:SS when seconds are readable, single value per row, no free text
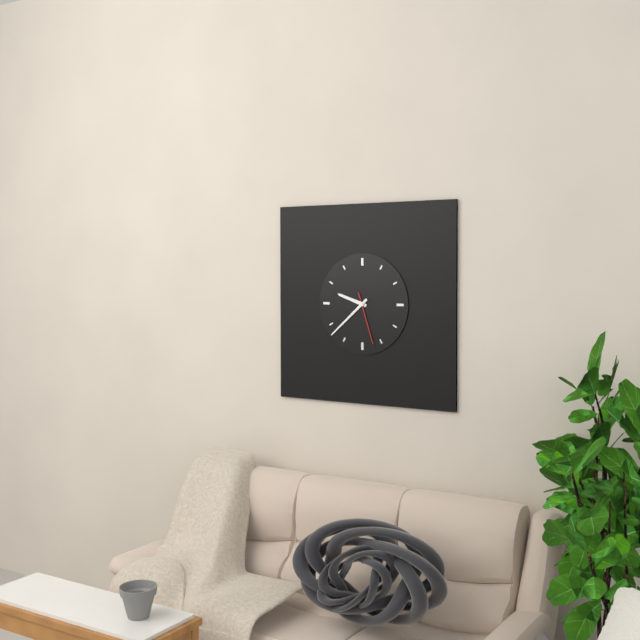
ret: **9:38:27**
